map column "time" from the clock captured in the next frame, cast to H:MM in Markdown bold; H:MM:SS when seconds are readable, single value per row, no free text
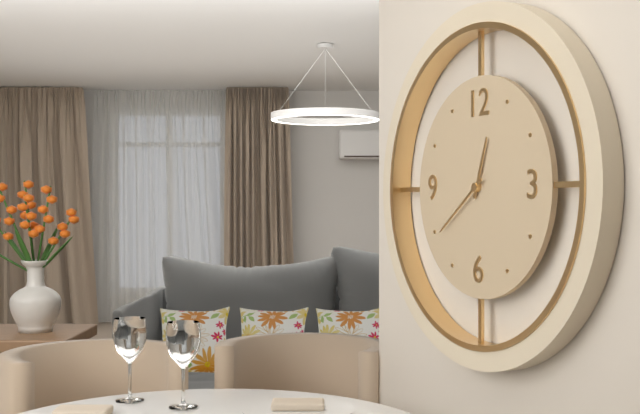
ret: **12:39**
